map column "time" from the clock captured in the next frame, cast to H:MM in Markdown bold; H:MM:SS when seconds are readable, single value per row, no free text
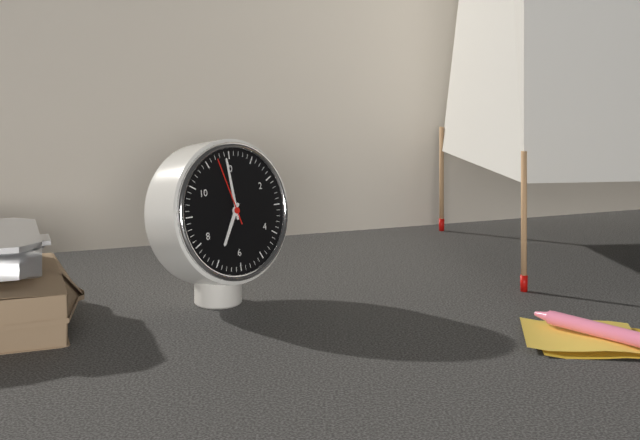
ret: **6:59:57**
